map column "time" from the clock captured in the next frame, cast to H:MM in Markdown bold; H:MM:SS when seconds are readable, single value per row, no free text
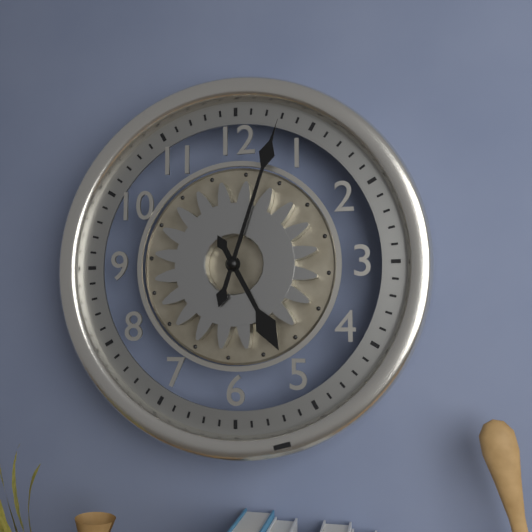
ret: **5:03**
